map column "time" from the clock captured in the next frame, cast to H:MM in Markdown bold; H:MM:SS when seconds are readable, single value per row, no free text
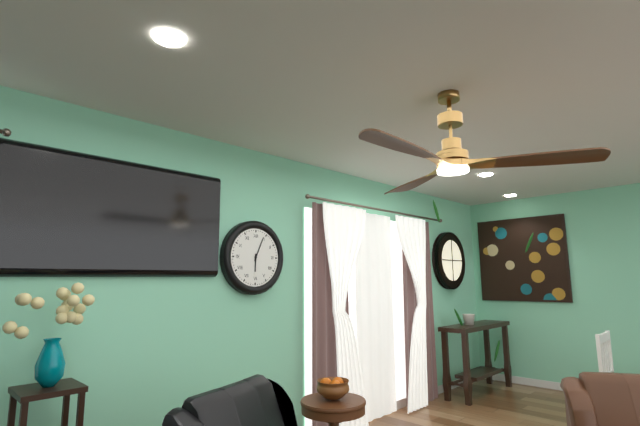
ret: **6:04**
